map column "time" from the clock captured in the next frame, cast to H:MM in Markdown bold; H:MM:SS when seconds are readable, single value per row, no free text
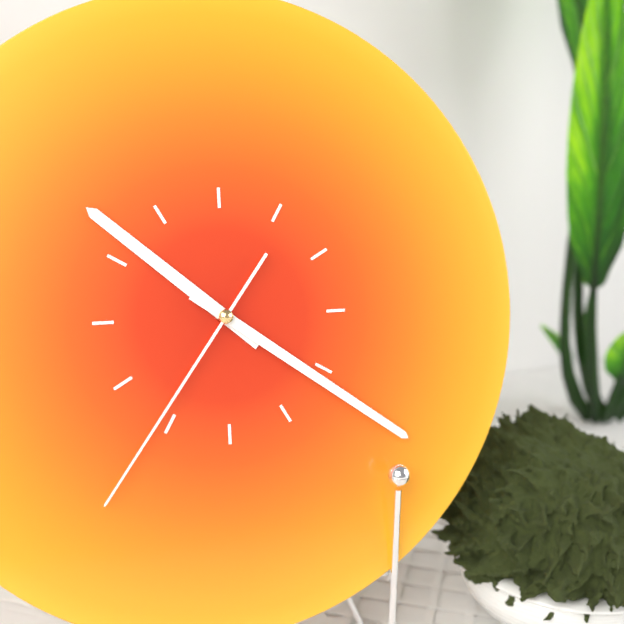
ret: **10:21:36**
